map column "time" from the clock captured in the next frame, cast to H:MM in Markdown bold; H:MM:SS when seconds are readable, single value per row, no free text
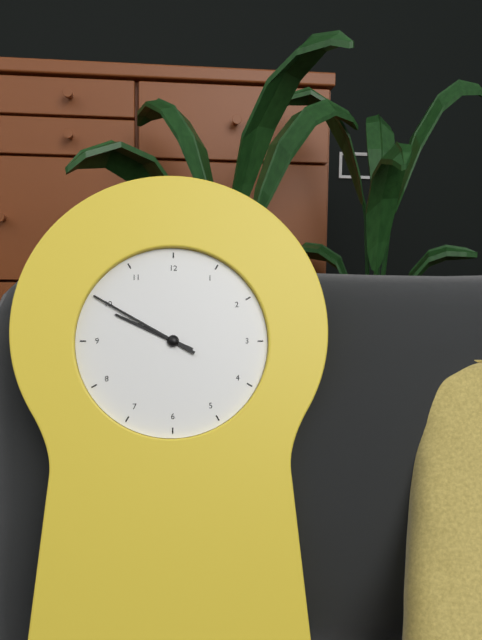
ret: **9:50**
